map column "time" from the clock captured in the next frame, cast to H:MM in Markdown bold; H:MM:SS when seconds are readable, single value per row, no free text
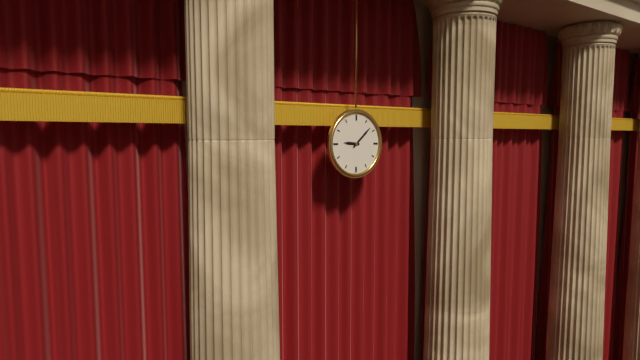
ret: **9:08**
